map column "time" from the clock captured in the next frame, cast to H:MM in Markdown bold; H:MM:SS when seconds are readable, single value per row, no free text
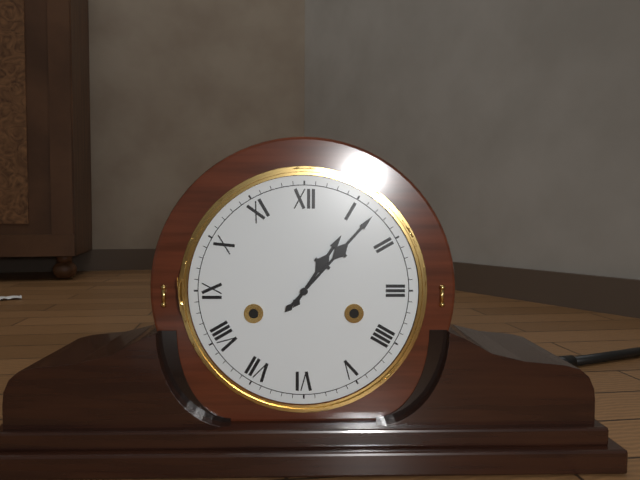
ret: **1:07**
